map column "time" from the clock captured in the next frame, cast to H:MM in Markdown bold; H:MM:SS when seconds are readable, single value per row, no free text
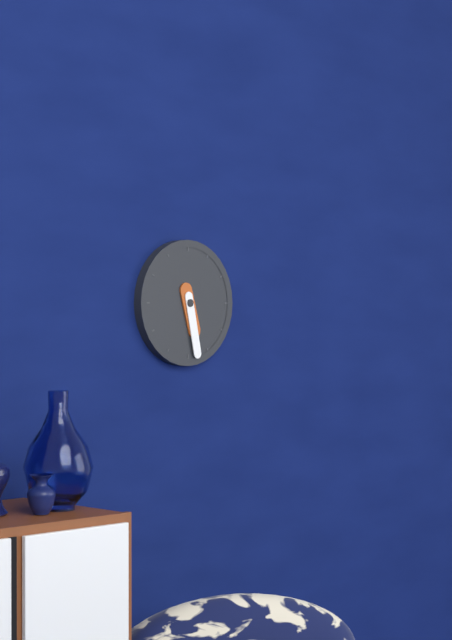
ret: **5:28**
